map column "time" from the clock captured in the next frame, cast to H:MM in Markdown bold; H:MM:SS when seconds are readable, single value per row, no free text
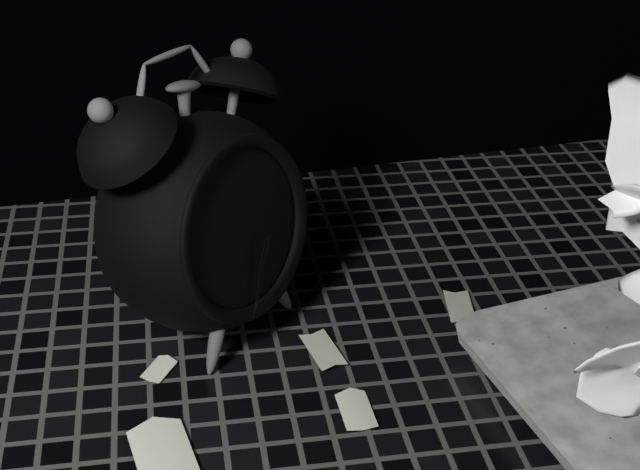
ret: **6:33**
